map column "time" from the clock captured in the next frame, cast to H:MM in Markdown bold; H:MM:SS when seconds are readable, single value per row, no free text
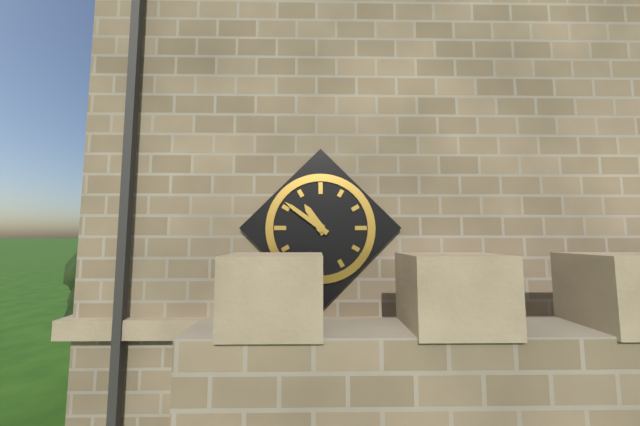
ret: **10:51**
